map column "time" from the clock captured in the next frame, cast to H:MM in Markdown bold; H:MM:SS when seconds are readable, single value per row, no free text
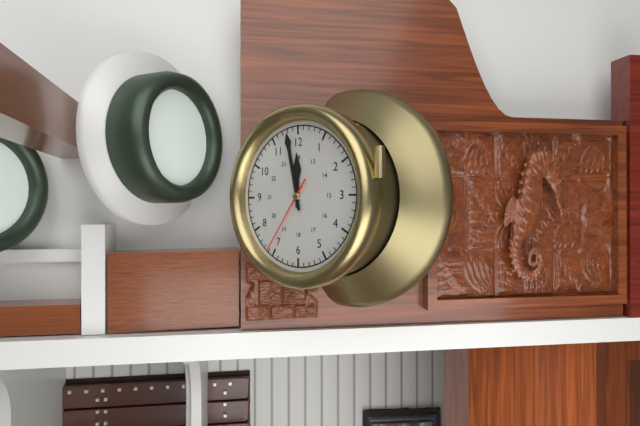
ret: **11:58:36**
